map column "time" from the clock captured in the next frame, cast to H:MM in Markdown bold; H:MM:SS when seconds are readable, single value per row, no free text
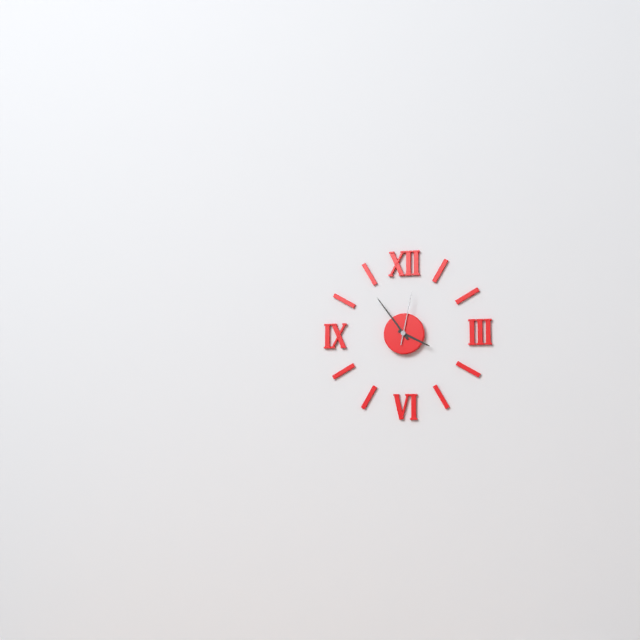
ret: **3:54:02**
